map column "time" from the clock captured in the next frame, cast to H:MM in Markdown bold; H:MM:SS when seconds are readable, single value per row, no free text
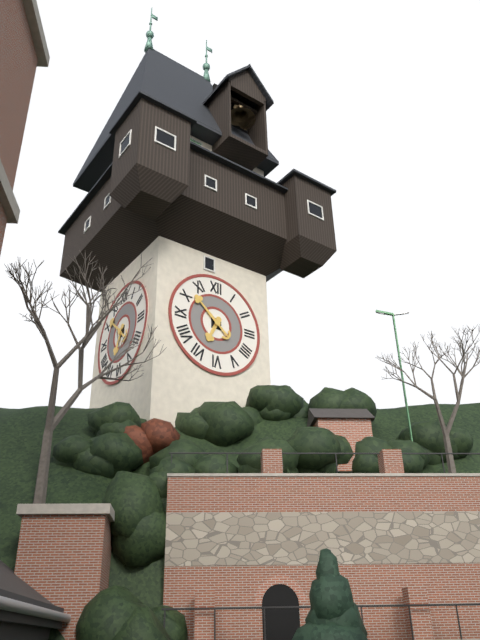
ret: **6:52**
